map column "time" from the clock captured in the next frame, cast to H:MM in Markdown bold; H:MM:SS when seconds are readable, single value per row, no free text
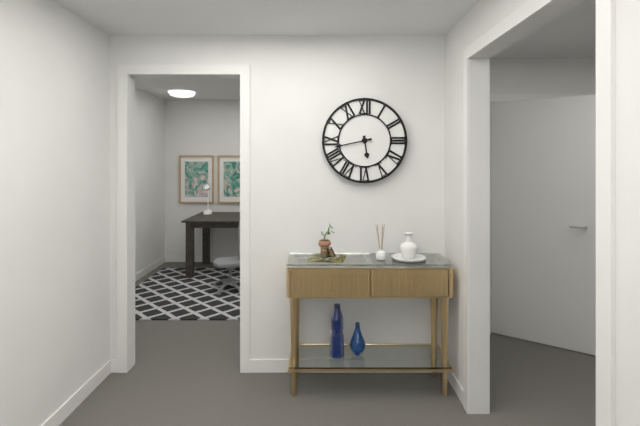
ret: **5:43**
